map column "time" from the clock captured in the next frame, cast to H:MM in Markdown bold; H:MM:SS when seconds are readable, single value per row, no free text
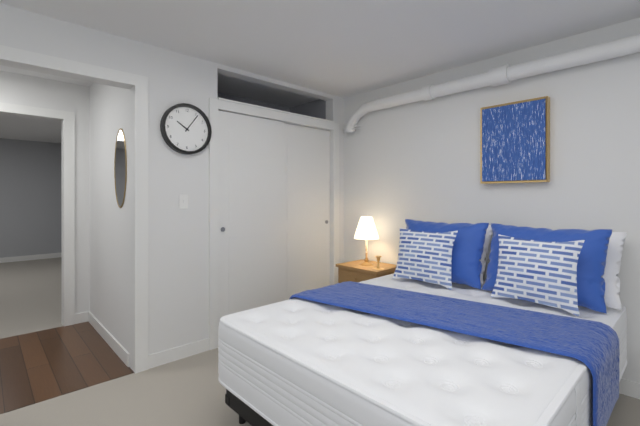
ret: **10:06**
